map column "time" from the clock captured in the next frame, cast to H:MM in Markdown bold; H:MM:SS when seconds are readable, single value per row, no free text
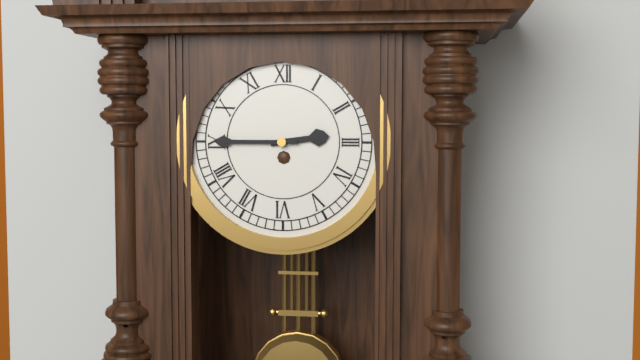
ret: **2:45**
